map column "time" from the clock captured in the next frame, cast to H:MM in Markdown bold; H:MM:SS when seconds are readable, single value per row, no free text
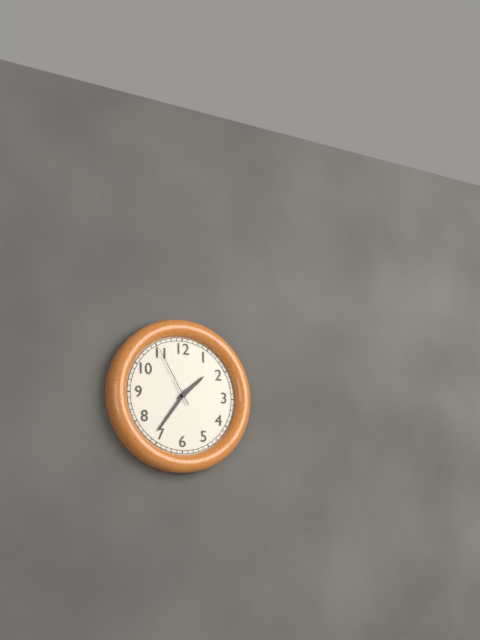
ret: **1:36:55**
